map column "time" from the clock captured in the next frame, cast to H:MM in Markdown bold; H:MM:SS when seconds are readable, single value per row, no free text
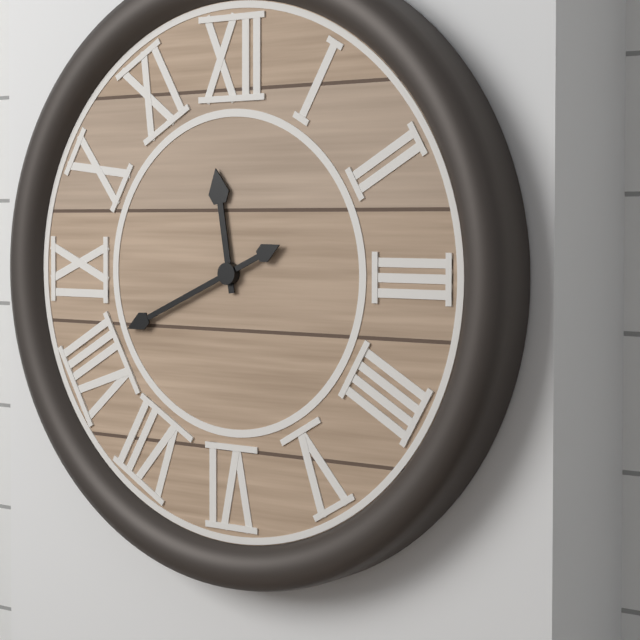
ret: **11:41**
